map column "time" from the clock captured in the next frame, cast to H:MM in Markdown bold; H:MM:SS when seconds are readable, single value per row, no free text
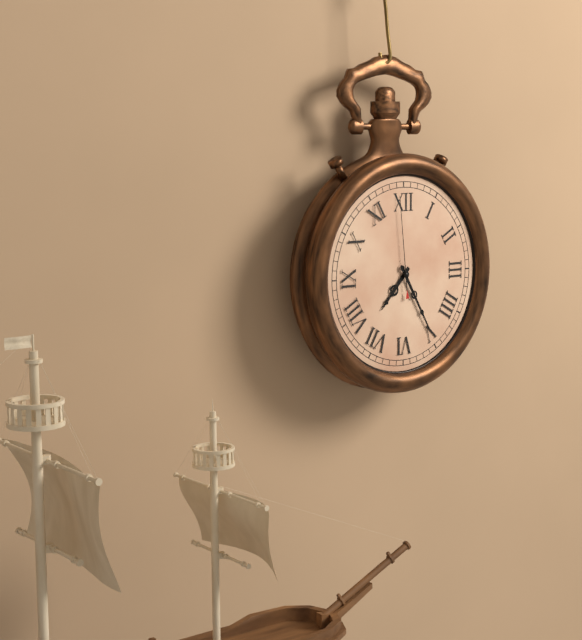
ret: **7:25:59**
